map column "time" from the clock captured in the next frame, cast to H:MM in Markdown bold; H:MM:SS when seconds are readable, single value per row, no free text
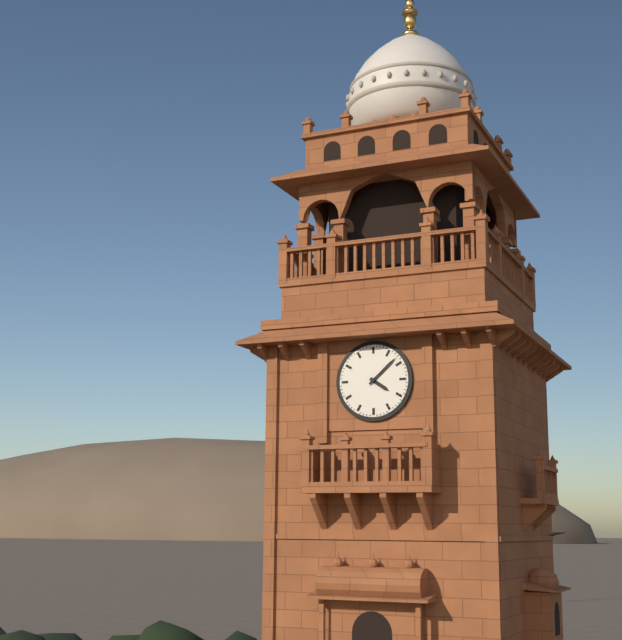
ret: **4:08**
